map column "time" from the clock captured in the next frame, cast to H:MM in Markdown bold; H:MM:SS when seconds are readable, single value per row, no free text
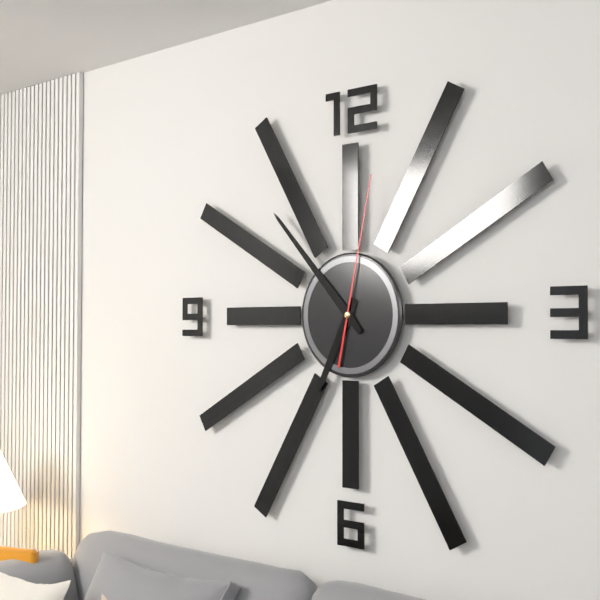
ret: **6:53:02**
